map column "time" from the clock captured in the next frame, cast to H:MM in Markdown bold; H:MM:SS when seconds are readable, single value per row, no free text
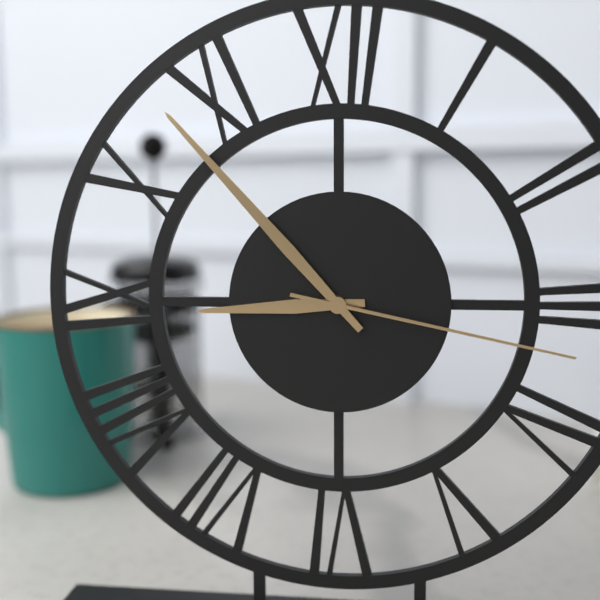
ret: **8:53:17**
